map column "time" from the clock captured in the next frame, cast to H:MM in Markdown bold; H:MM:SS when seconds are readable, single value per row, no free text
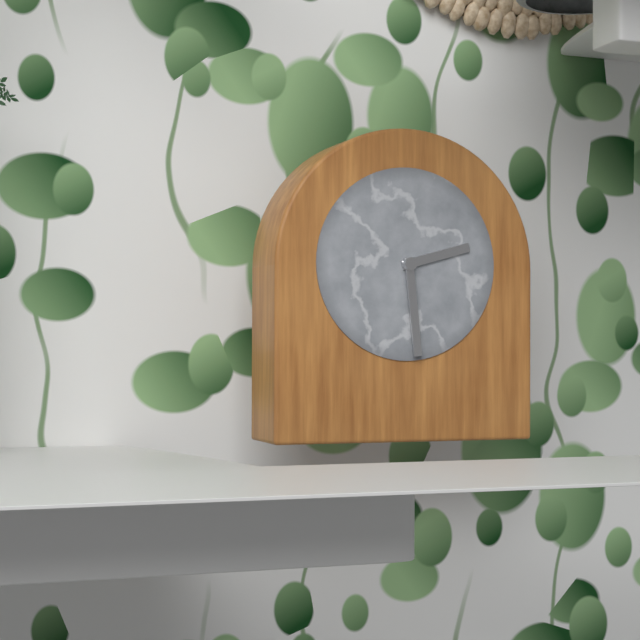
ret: **2:29**
